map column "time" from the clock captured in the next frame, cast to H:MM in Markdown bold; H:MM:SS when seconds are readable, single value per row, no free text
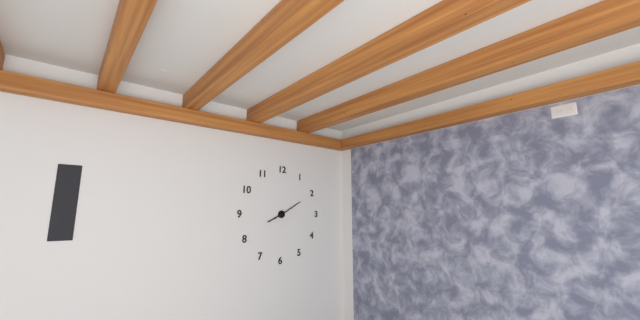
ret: **8:10**
